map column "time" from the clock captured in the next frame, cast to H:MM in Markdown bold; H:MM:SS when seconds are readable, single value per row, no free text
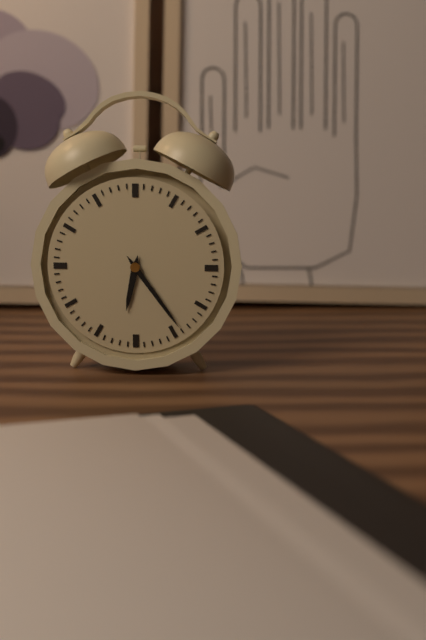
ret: **6:24**
